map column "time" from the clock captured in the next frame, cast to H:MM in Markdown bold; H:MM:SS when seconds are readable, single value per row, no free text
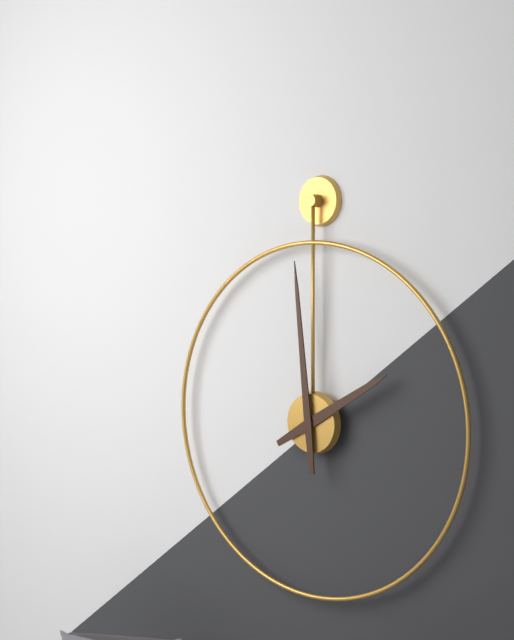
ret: **1:59**
